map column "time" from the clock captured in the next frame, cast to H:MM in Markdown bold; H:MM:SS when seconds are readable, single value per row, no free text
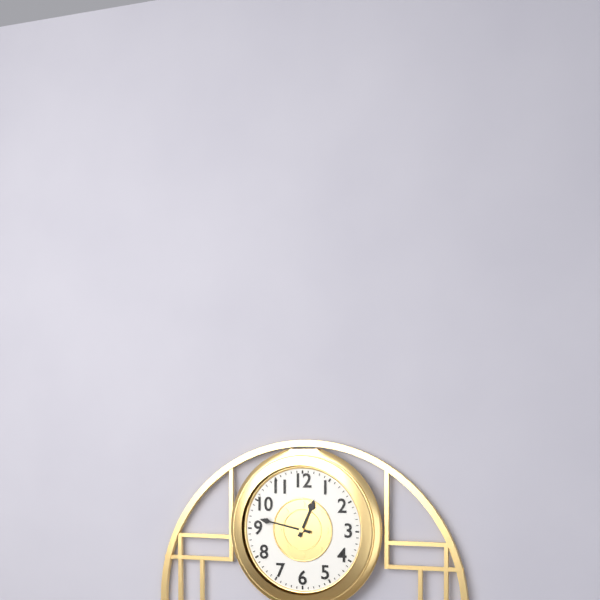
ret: **12:47**
